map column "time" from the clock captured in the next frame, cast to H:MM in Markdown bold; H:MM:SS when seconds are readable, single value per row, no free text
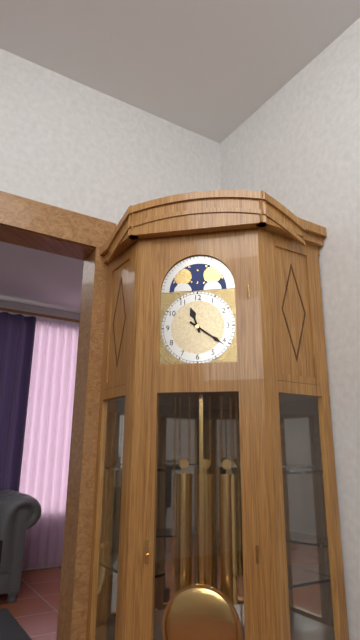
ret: **11:21**
